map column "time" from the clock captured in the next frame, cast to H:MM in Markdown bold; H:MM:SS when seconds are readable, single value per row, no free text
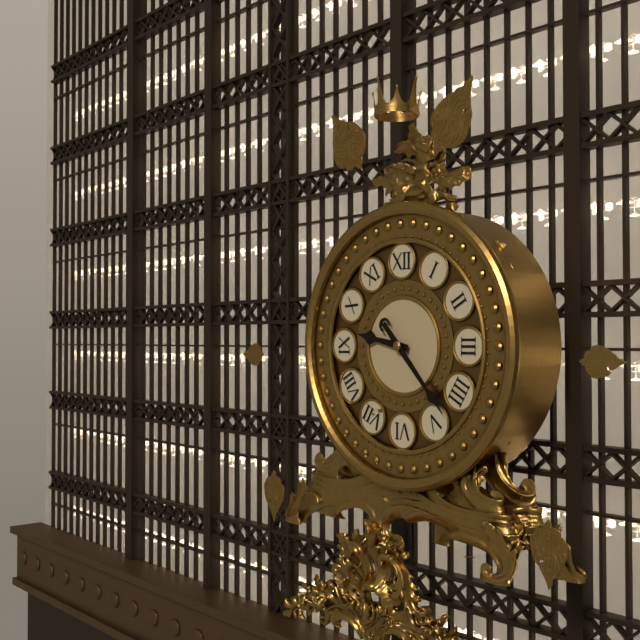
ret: **9:23**
